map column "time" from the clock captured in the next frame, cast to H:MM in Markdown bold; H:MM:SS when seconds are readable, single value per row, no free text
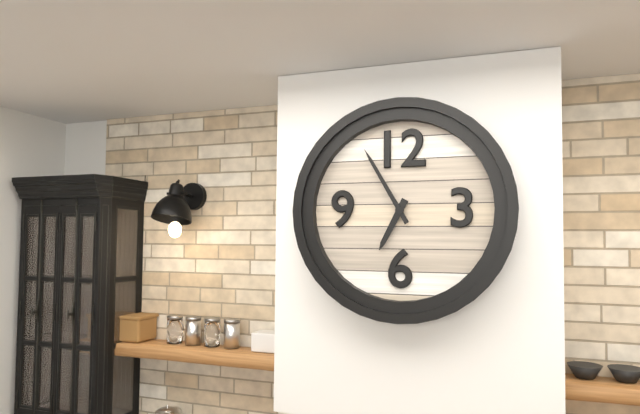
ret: **6:55**
